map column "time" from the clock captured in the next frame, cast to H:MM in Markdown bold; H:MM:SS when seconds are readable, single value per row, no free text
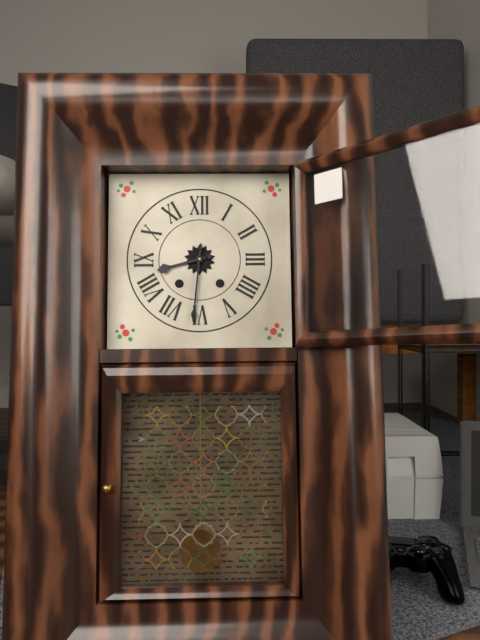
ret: **8:31**
